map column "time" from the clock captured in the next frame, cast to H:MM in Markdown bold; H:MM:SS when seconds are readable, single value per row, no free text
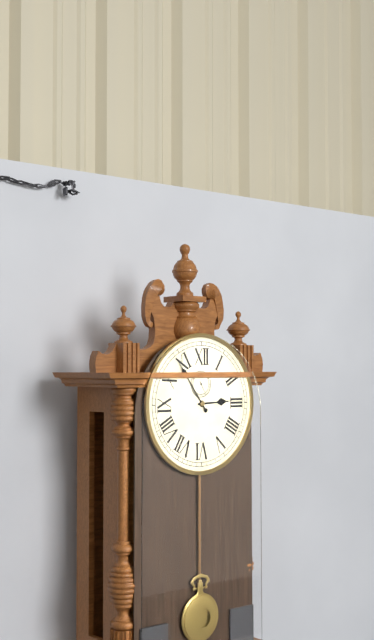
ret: **2:54**
